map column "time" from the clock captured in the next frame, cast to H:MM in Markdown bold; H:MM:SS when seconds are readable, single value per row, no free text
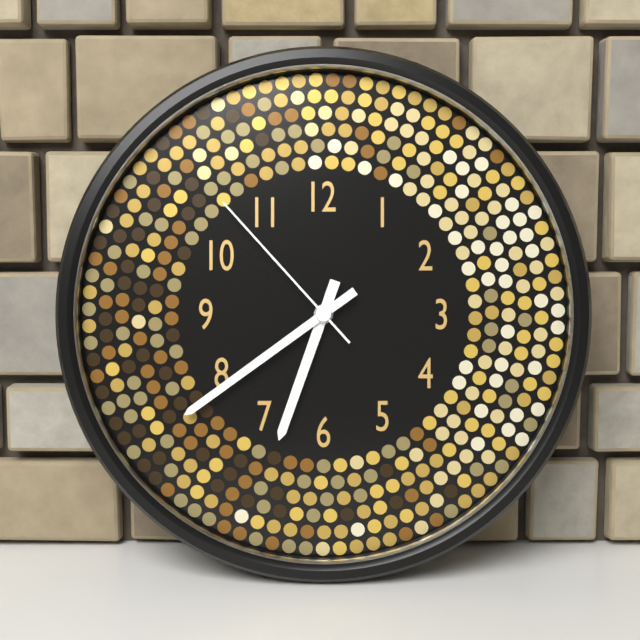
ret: **6:39:53**
